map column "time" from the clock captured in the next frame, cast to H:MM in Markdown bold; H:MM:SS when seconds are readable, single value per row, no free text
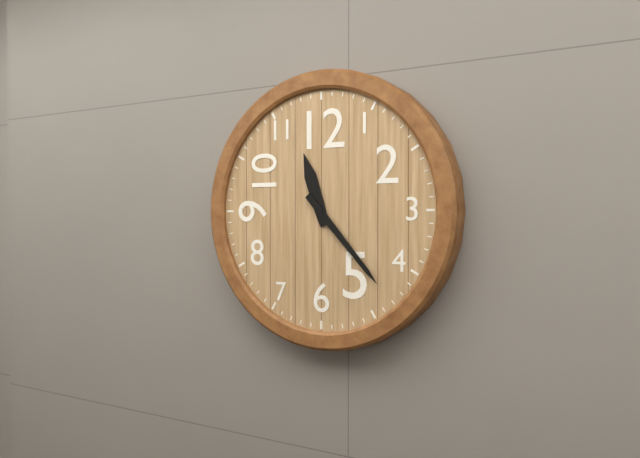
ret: **11:23**
